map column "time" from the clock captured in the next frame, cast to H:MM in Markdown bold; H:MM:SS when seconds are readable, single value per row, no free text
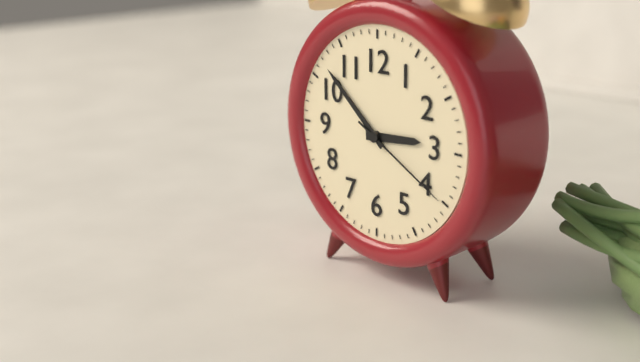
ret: **2:52:20**
